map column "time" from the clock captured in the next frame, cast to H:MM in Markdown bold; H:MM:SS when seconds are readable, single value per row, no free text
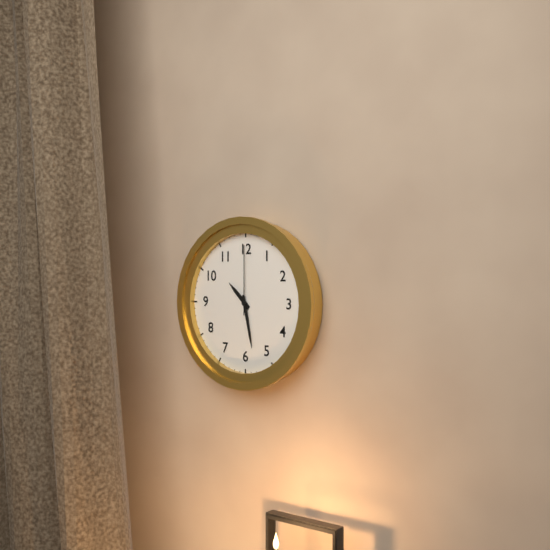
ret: **10:28:00**
